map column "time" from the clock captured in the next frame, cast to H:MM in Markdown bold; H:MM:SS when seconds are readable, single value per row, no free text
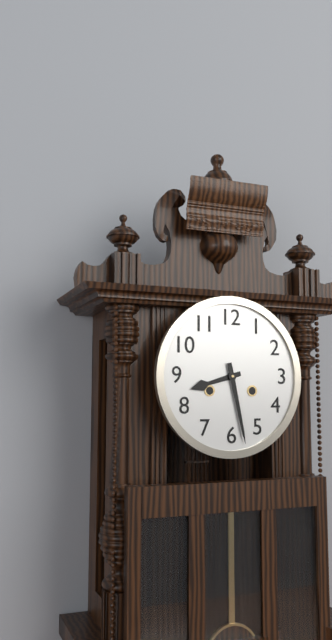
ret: **8:28**
